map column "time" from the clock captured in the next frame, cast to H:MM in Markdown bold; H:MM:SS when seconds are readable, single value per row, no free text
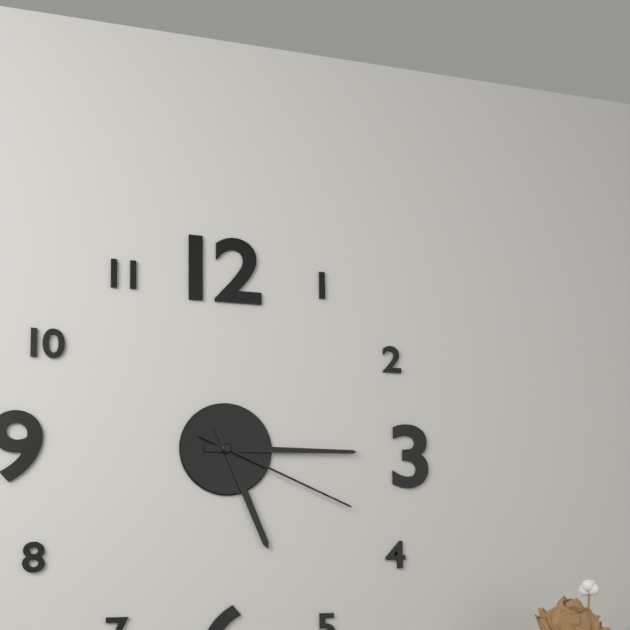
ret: **5:15:19**
